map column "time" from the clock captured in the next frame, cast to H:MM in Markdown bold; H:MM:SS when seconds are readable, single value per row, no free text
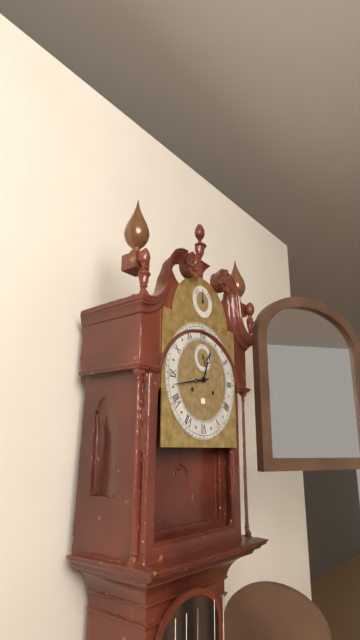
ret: **12:43**
